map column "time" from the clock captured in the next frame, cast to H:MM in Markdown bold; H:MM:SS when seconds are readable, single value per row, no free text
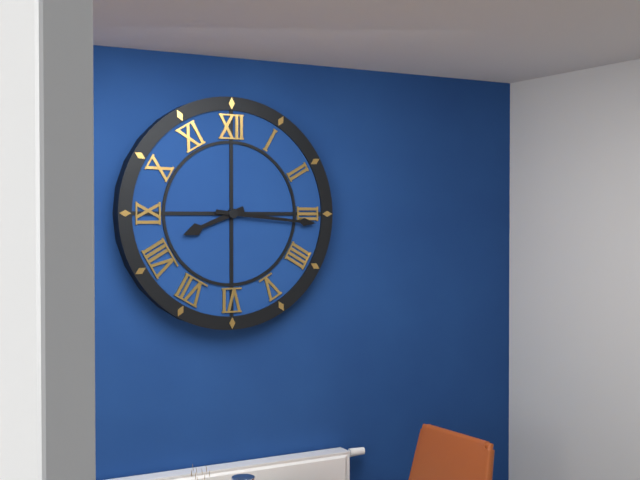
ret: **8:16**
